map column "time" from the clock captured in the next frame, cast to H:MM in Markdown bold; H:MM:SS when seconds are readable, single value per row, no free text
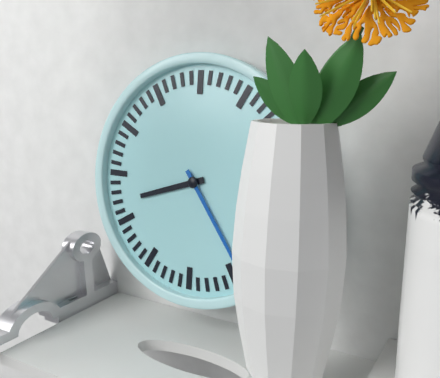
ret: **8:24**
